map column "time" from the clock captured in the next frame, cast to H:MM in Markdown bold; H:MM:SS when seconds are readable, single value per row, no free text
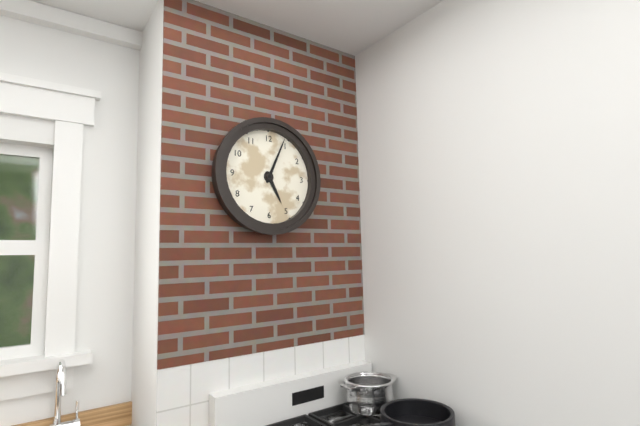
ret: **5:04**
